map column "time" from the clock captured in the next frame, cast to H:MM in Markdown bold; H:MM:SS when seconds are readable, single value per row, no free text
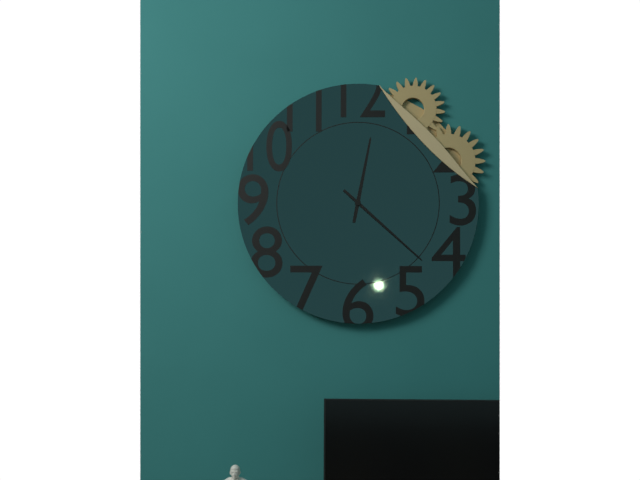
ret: **12:22**
